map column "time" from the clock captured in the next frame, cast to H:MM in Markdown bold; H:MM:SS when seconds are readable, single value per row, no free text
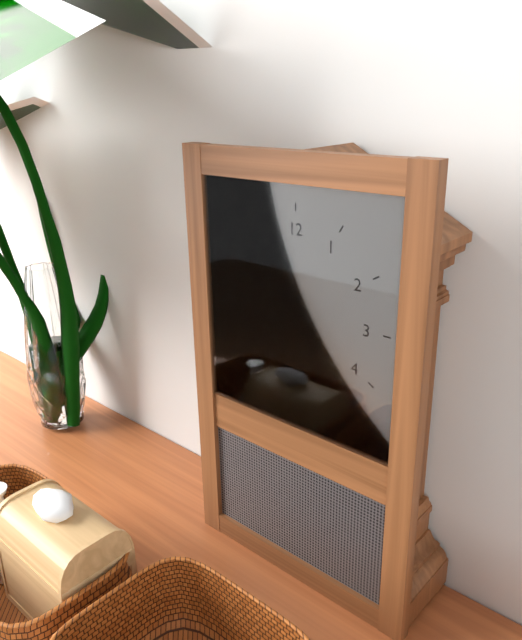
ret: **4:29**
